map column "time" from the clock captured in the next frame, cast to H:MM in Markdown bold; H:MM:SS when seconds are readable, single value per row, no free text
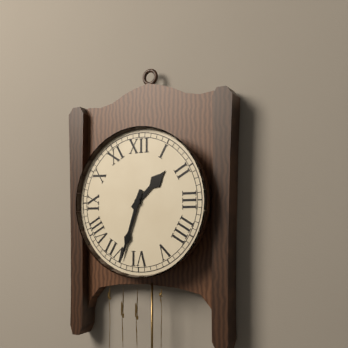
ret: **1:33**
